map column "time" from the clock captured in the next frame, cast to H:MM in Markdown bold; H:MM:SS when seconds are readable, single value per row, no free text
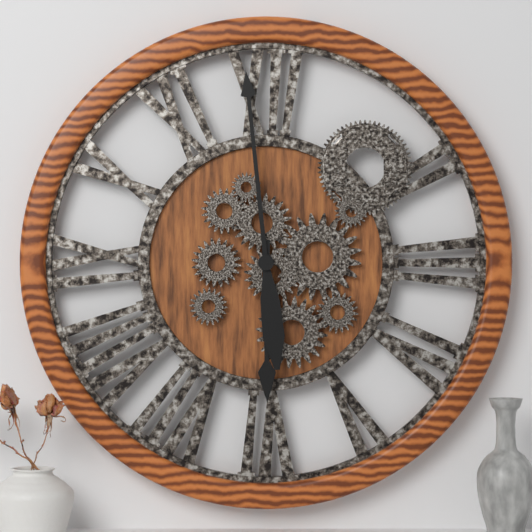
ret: **5:59**
